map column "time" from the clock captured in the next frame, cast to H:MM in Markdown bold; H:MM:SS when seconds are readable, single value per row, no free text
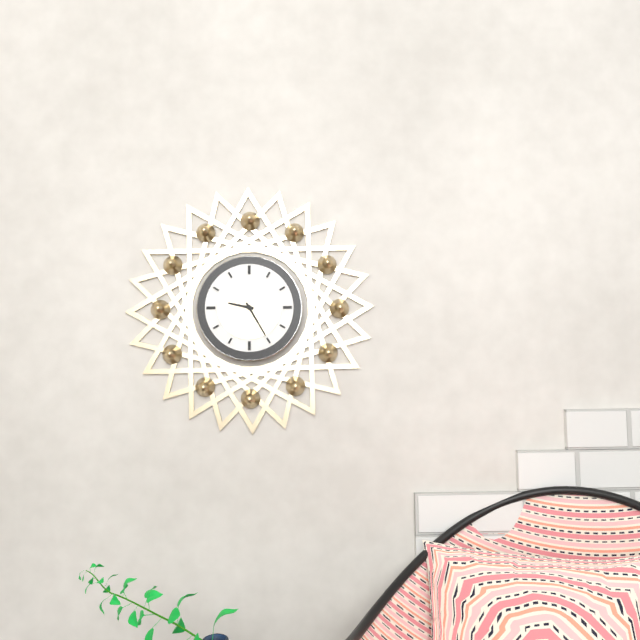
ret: **9:25**
